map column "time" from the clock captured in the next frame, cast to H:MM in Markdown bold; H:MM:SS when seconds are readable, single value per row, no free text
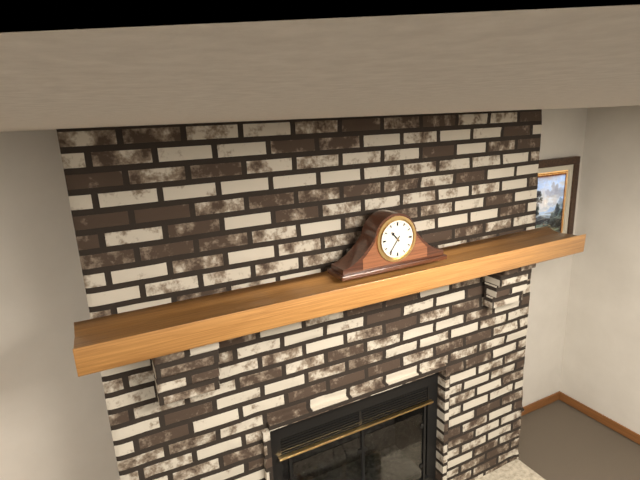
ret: **10:36**
